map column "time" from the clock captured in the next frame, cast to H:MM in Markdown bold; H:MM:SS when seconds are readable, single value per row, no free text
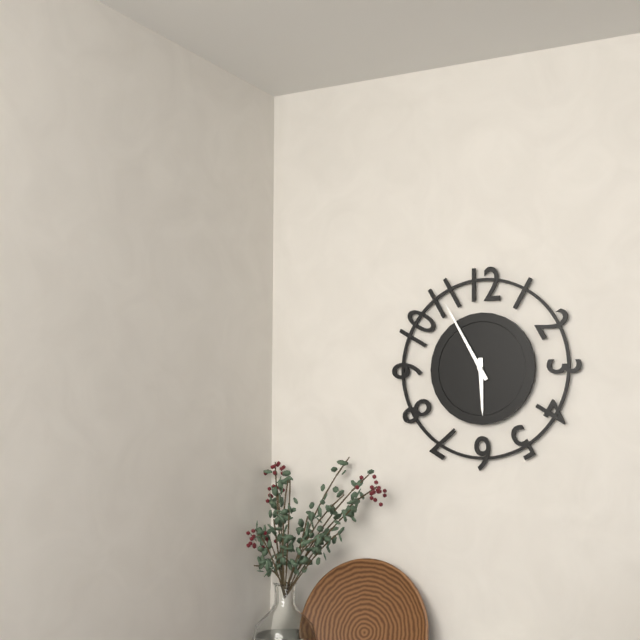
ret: **5:55**
